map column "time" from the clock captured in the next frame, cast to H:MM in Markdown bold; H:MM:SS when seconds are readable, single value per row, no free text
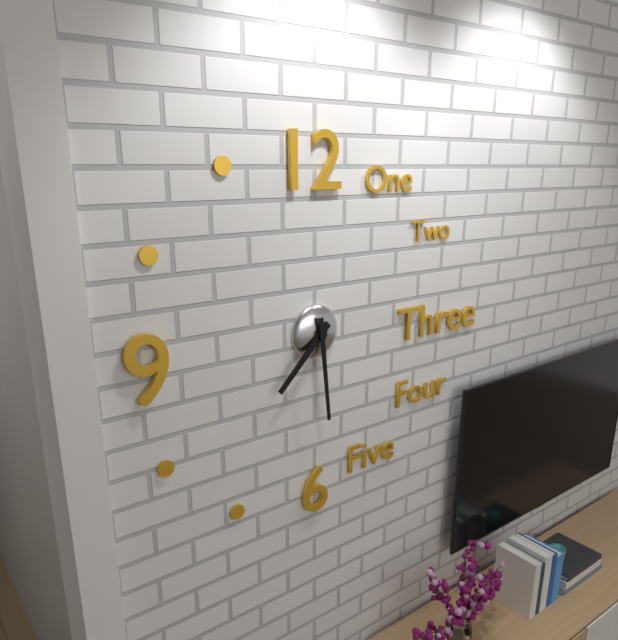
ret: **7:29**
